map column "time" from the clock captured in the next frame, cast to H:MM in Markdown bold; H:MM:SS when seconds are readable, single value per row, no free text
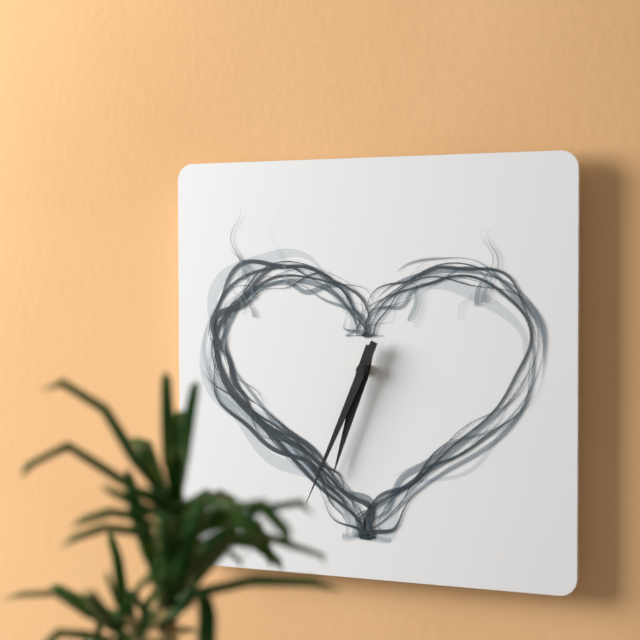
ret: **6:34**
